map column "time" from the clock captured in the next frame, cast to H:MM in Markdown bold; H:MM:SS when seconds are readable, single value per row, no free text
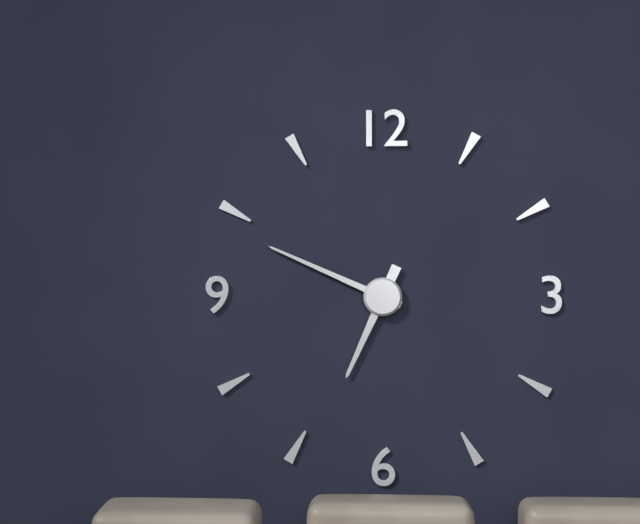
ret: **6:49**
